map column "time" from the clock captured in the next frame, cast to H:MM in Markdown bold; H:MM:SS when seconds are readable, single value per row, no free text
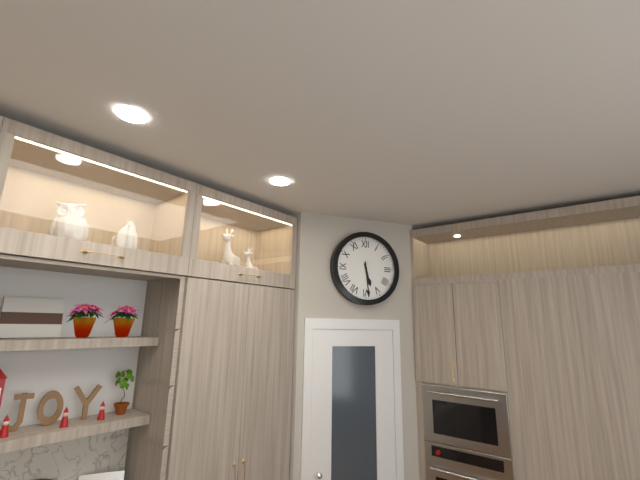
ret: **5:29**
